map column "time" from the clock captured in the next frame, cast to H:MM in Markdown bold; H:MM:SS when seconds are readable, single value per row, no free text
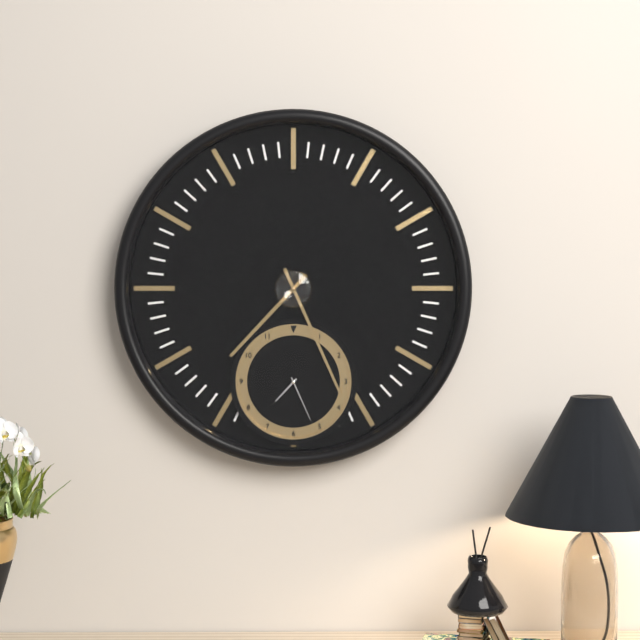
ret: **7:26**
